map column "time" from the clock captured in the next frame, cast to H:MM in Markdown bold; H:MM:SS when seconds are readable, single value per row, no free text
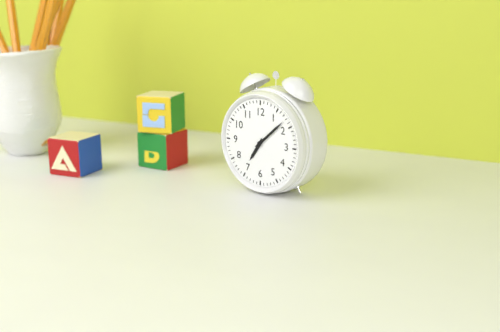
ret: **7:08**
